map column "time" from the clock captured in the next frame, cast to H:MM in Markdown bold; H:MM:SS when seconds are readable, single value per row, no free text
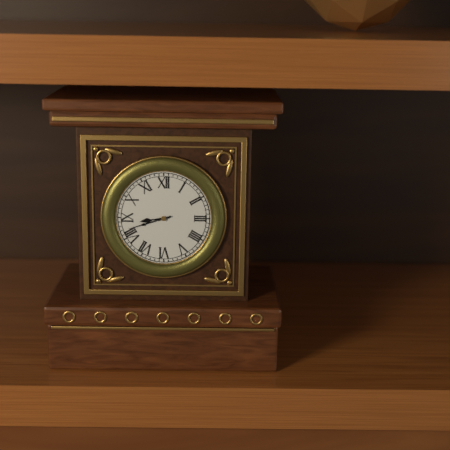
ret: **8:42**
